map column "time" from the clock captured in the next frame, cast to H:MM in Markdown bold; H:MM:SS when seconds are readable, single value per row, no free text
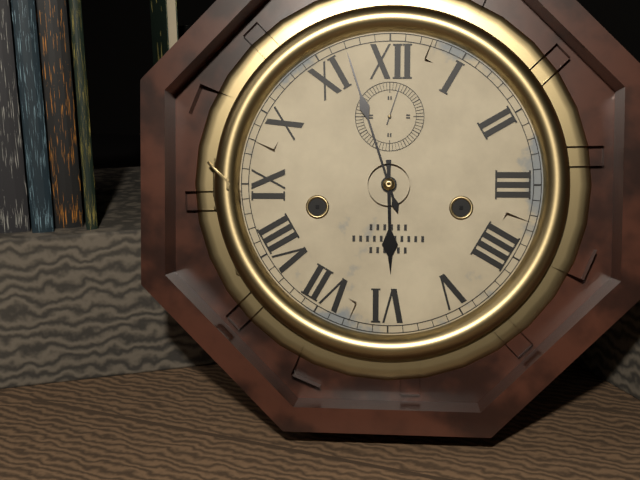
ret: **5:57**
